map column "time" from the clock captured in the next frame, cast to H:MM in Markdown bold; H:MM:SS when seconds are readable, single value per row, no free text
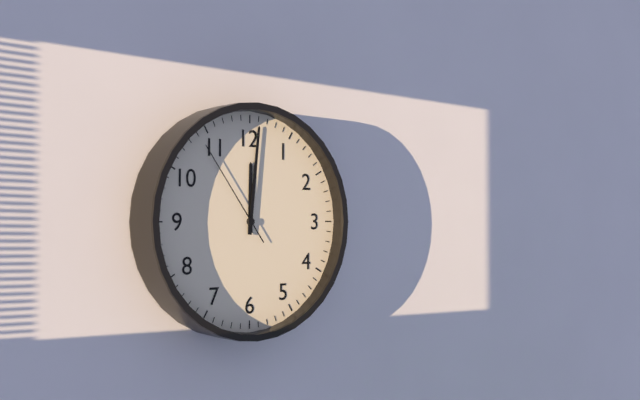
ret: **12:01:54**
